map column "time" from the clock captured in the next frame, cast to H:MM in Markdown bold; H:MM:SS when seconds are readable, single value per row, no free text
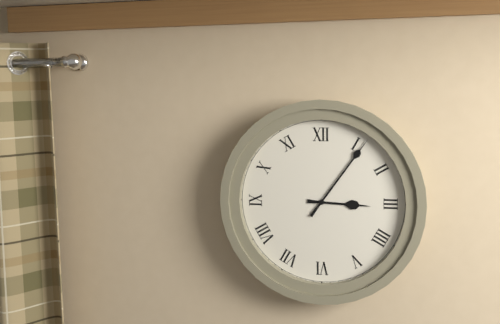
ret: **3:06**
